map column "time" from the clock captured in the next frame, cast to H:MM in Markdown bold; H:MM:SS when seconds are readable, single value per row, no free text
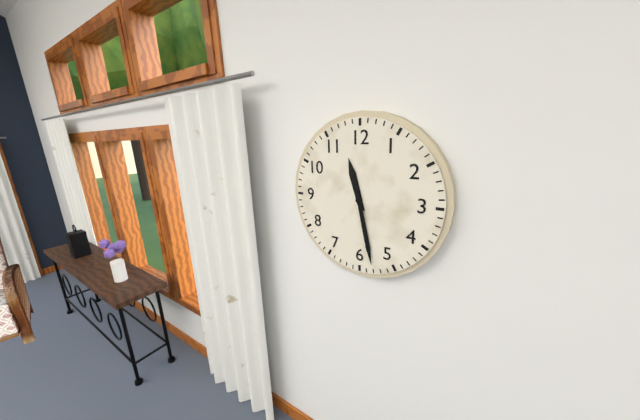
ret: **11:28**
